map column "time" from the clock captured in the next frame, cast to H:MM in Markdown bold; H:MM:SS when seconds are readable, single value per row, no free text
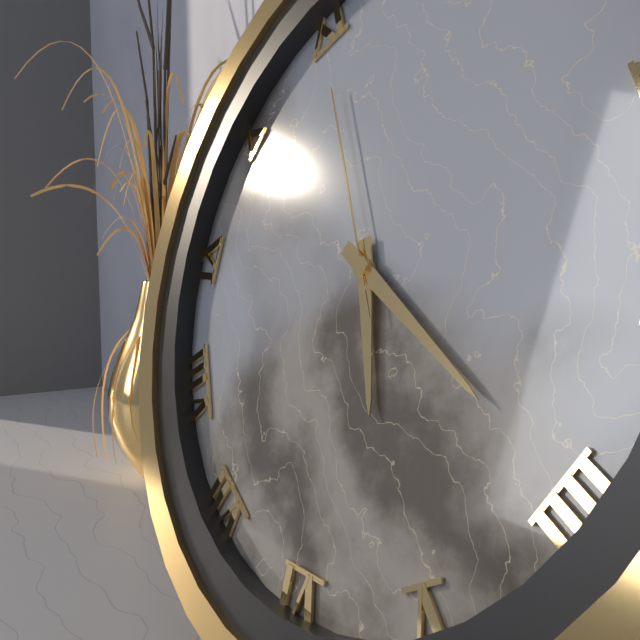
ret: **5:20:55**
